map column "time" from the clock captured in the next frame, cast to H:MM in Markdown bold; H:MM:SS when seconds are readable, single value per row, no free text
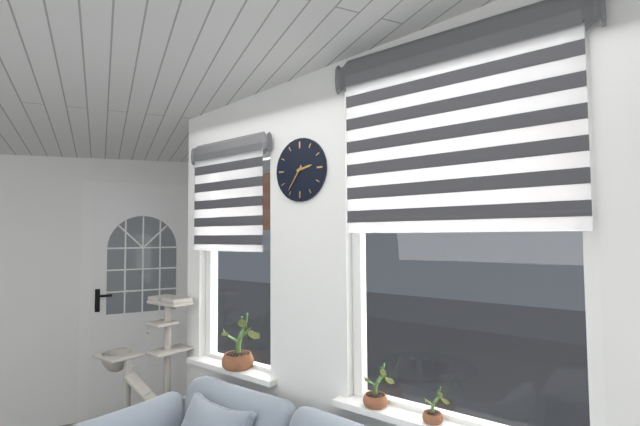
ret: **2:36**
